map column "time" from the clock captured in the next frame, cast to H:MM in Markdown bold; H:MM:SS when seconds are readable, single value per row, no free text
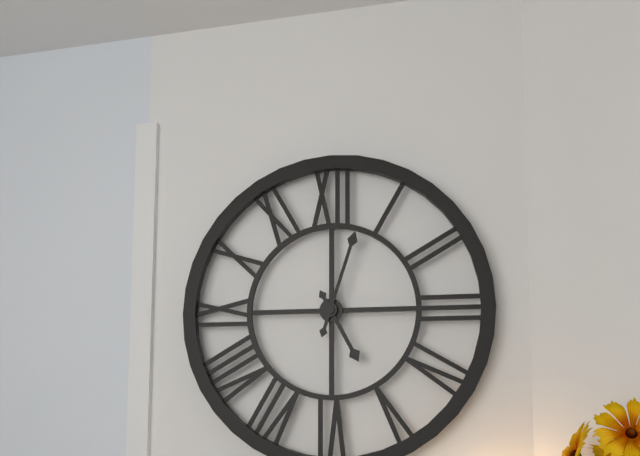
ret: **5:03**
